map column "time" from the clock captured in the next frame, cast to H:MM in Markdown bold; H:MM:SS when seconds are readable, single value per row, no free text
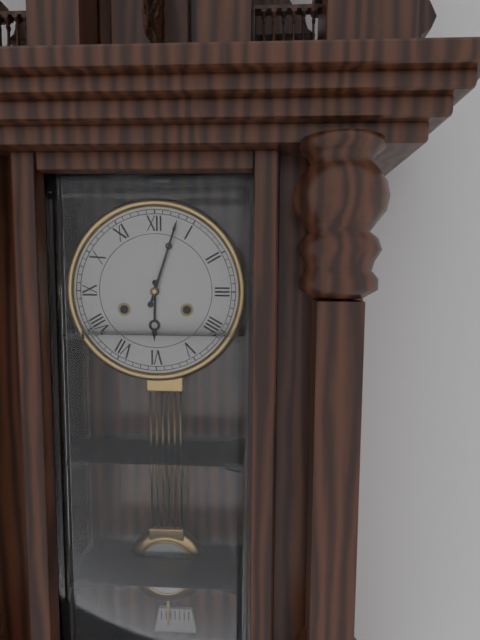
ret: **6:03**
